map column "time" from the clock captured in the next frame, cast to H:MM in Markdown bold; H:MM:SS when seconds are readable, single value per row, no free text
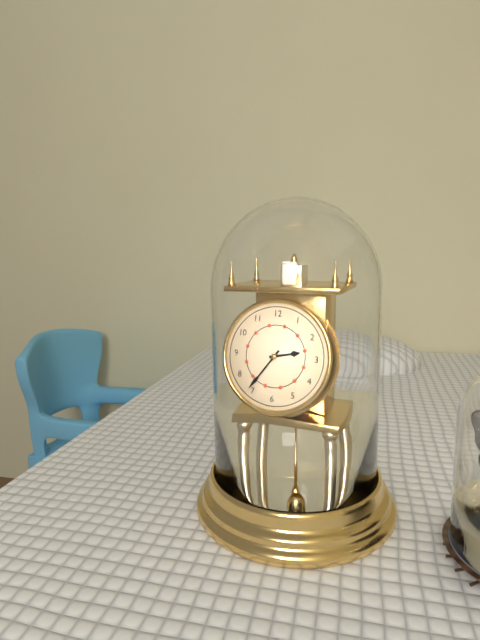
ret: **2:36**
